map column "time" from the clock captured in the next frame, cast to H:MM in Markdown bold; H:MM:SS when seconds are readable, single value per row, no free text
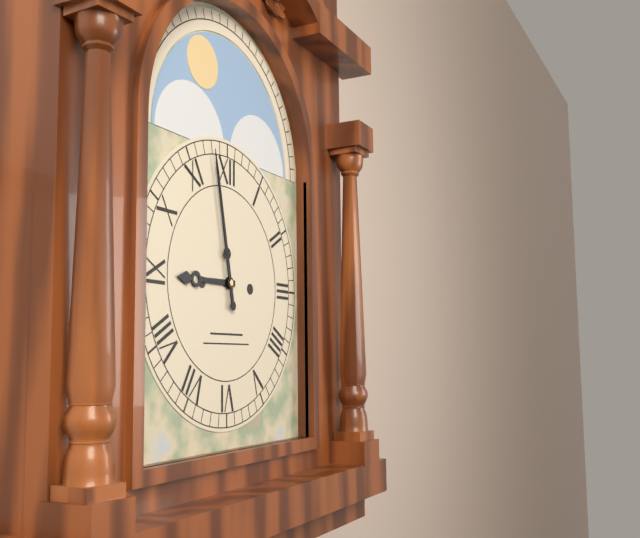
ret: **8:58**
